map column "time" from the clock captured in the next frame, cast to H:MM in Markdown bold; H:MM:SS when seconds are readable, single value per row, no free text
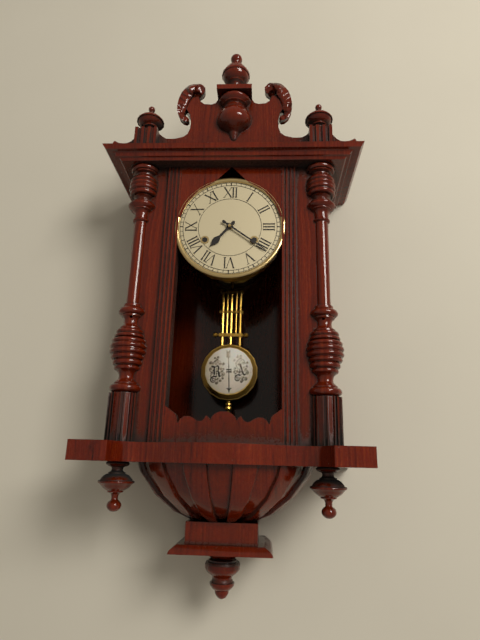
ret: **7:21**
